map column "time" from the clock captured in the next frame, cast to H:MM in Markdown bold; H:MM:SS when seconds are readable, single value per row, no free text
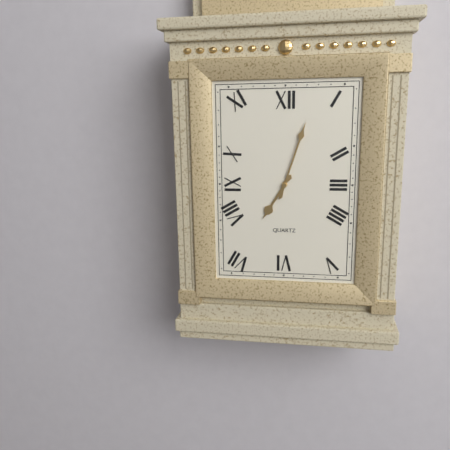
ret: **7:03**
